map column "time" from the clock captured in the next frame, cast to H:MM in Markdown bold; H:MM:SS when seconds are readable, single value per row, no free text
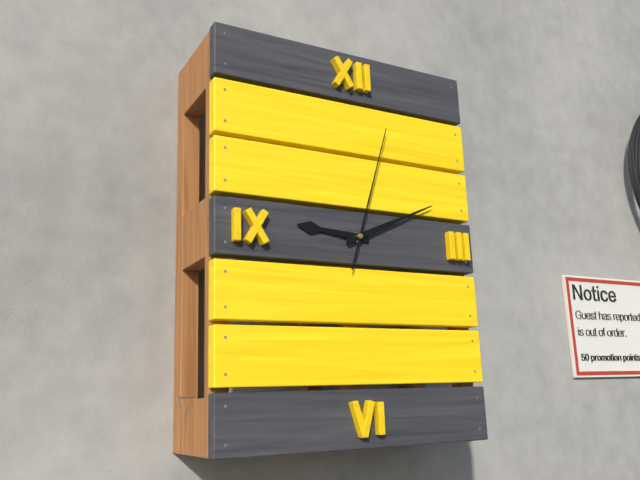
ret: **9:11:03**
